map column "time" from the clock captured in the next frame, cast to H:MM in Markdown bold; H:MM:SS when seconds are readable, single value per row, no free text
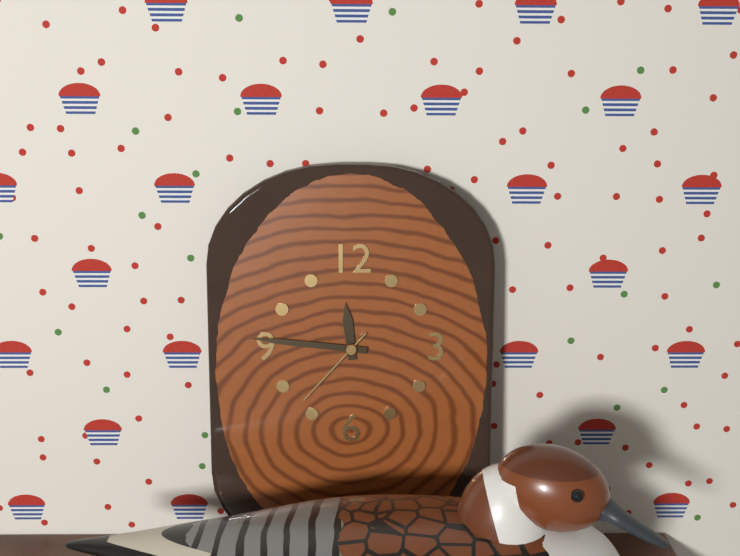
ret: **11:46:37**
